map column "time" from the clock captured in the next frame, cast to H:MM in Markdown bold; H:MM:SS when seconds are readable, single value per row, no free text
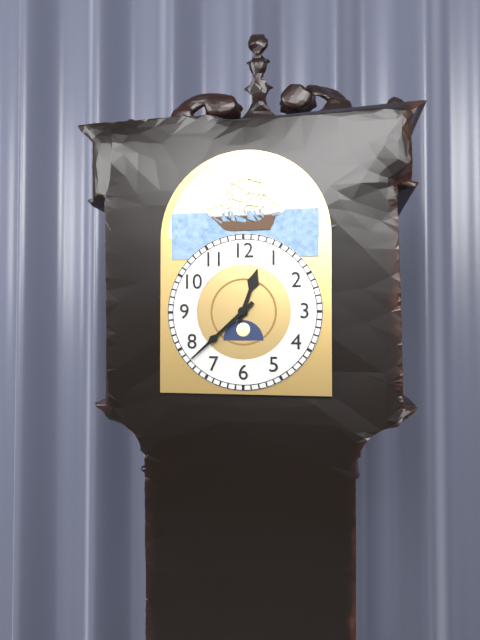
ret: **12:38**
